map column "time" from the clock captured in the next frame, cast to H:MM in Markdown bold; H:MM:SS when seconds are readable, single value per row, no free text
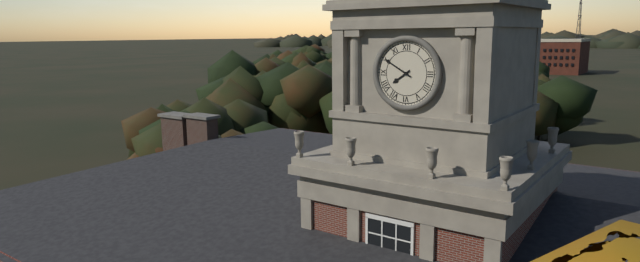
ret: **7:50**
